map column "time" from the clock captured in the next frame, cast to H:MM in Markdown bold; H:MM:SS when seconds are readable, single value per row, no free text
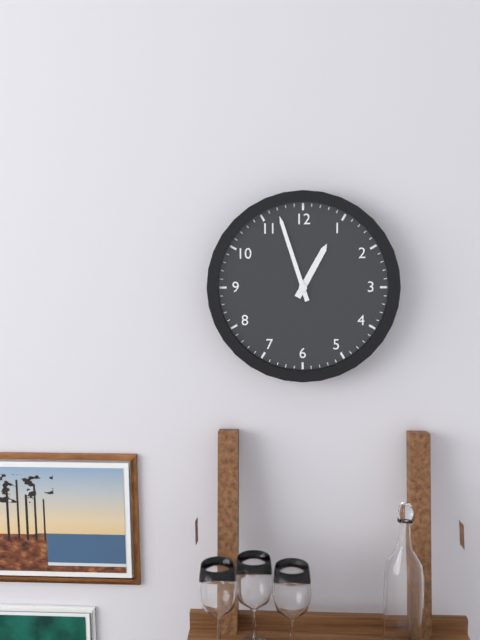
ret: **12:57**
